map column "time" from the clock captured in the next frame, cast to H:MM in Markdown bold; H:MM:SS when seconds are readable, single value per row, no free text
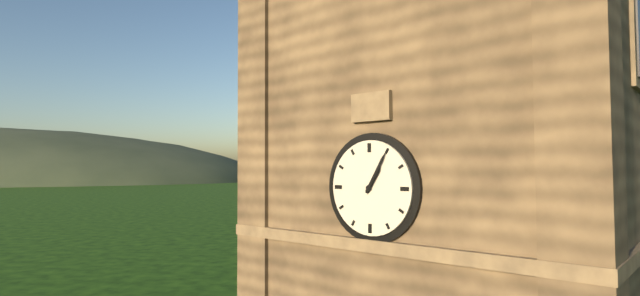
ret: **1:05**
